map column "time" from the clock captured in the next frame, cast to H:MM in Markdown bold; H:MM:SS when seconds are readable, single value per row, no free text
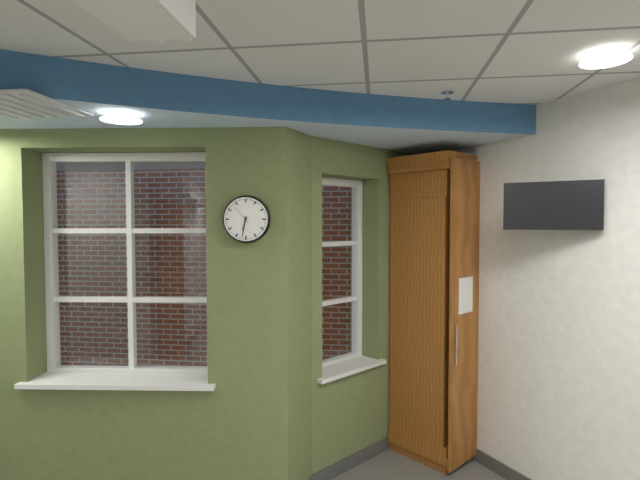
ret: **6:32**
